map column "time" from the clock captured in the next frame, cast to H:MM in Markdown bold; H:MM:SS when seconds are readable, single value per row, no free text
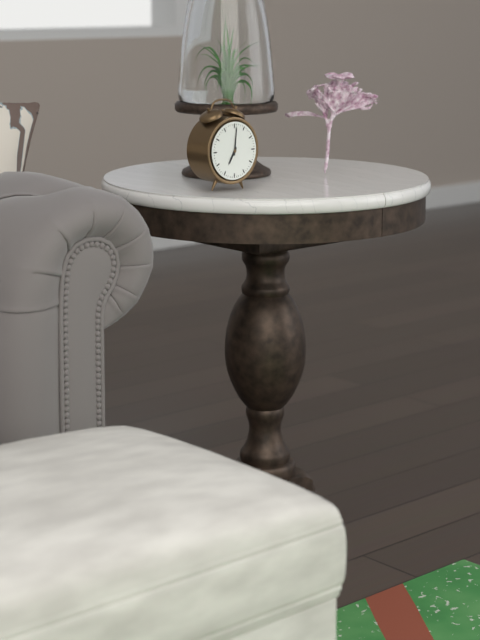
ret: **7:01**
